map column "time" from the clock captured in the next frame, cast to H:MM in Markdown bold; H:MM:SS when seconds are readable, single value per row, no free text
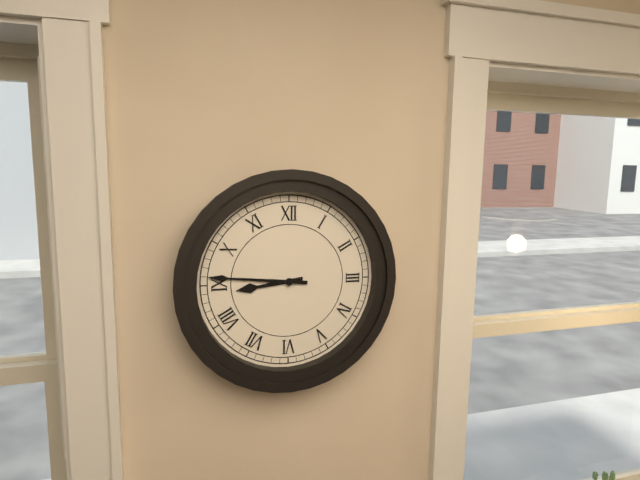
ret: **8:46**
